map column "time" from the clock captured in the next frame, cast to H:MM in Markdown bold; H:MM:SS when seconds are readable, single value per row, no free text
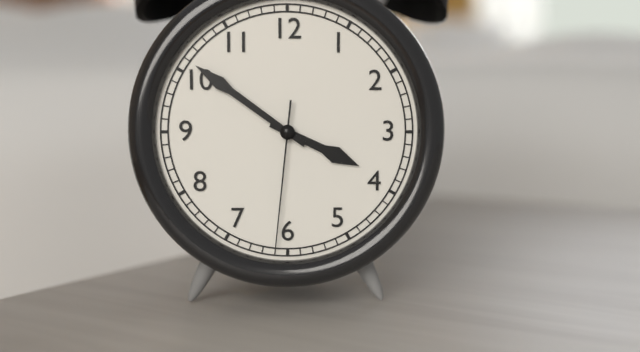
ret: **3:51:31**
